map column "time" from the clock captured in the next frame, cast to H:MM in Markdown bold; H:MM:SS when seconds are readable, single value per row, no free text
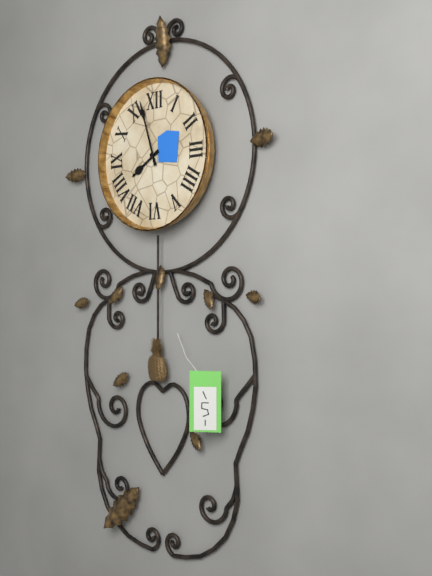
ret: **7:57**
